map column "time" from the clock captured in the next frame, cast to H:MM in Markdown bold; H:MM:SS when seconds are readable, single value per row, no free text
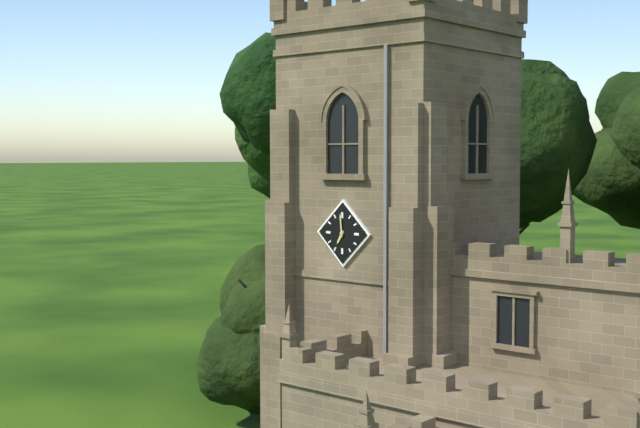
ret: **6:59**
